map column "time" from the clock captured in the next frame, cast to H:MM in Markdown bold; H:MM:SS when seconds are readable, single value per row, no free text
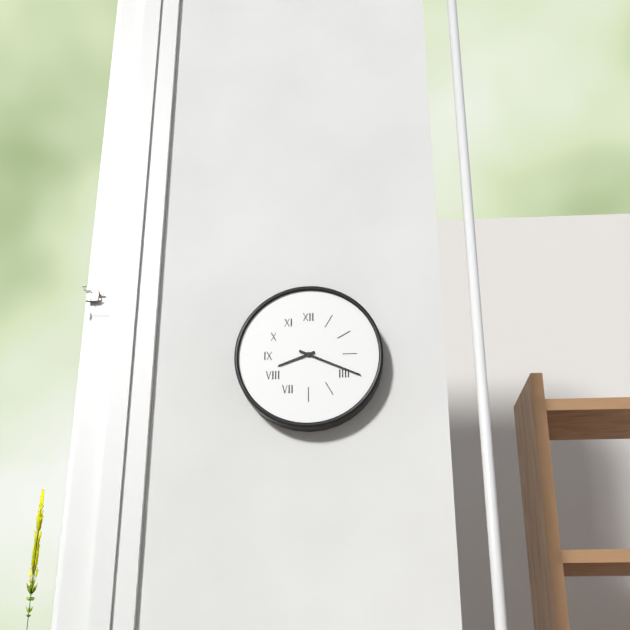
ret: **8:19**
